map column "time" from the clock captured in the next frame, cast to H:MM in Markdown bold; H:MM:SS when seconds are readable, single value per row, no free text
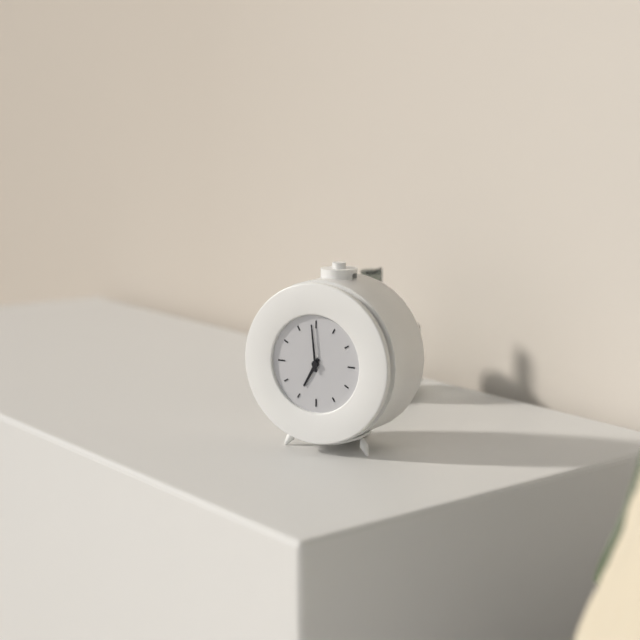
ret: **6:59**
